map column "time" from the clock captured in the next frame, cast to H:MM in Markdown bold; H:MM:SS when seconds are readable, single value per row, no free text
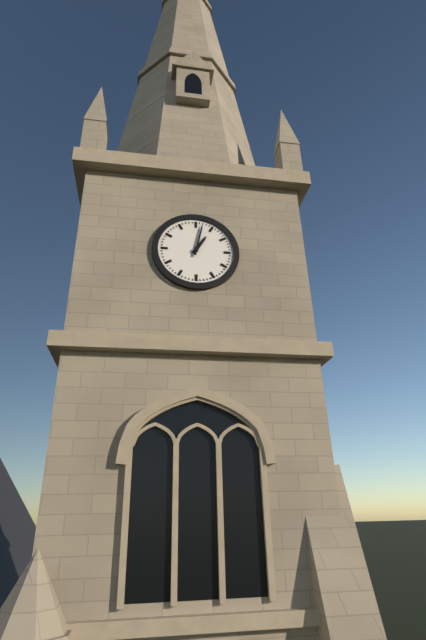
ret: **1:02**
